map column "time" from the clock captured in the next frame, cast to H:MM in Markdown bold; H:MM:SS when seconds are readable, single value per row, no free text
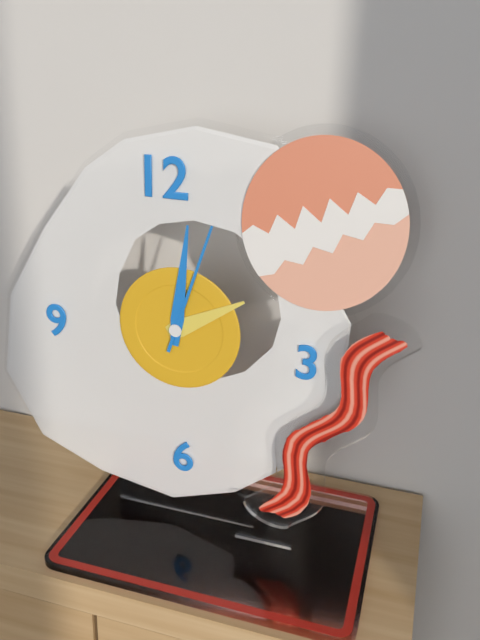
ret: **2:01:03**
